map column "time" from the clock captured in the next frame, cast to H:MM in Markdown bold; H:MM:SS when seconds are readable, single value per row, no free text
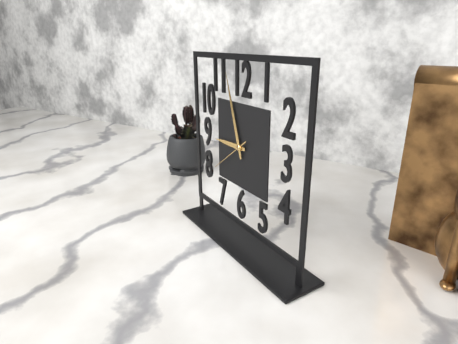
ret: **8:57**
